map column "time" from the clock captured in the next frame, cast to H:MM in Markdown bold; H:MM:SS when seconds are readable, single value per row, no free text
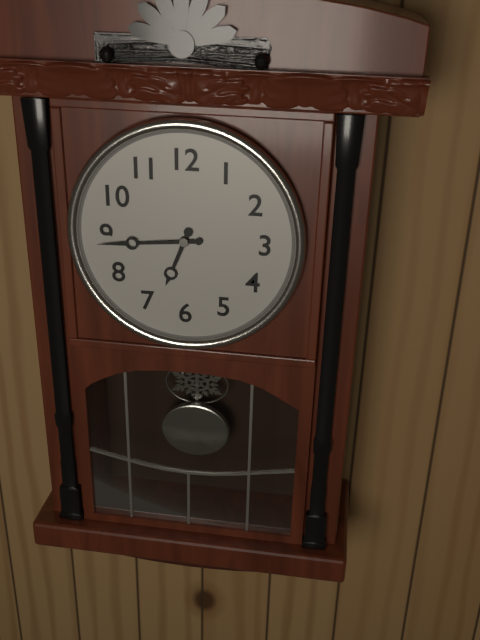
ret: **6:44**
